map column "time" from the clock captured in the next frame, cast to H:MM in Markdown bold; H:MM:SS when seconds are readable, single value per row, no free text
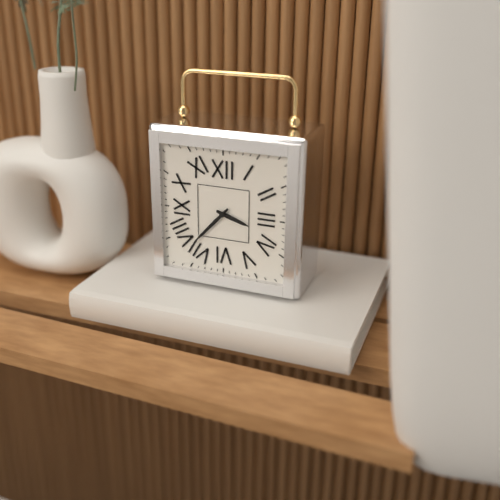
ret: **3:37**
